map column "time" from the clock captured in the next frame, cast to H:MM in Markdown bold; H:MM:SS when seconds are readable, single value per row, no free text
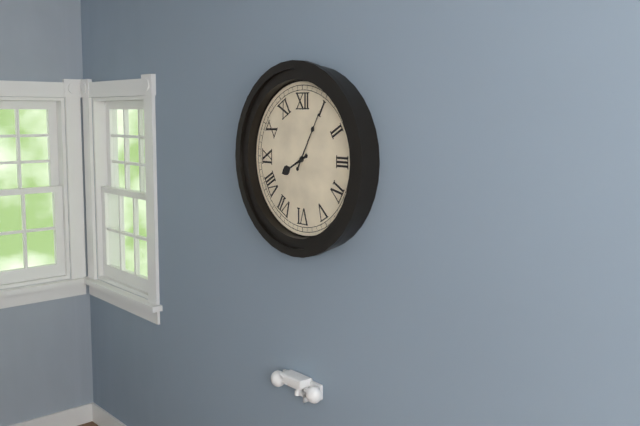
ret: **8:05**
